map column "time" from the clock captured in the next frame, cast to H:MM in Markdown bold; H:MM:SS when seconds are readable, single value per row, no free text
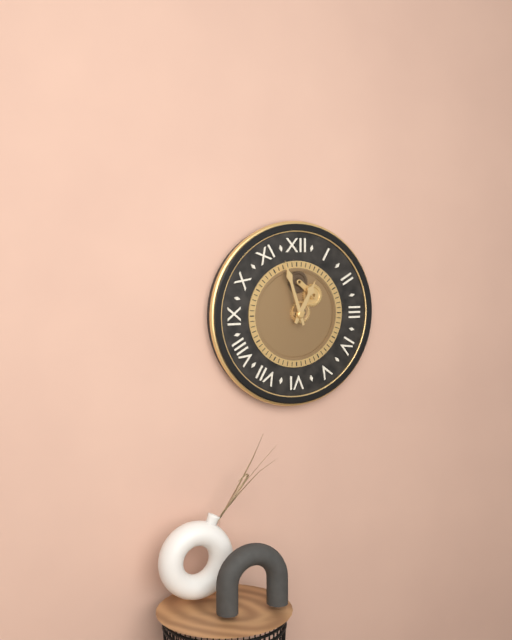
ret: **12:57**
